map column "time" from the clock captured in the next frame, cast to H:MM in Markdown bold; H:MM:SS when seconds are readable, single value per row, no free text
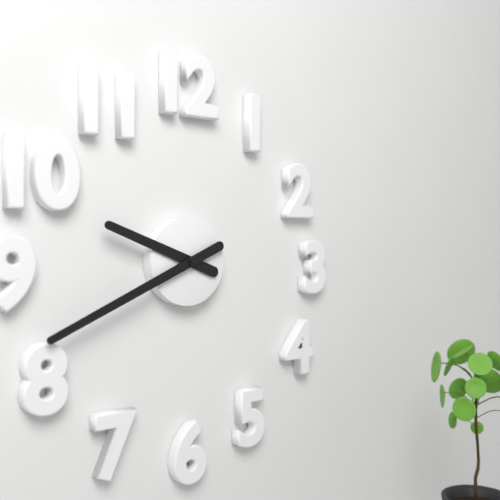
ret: **9:41**
